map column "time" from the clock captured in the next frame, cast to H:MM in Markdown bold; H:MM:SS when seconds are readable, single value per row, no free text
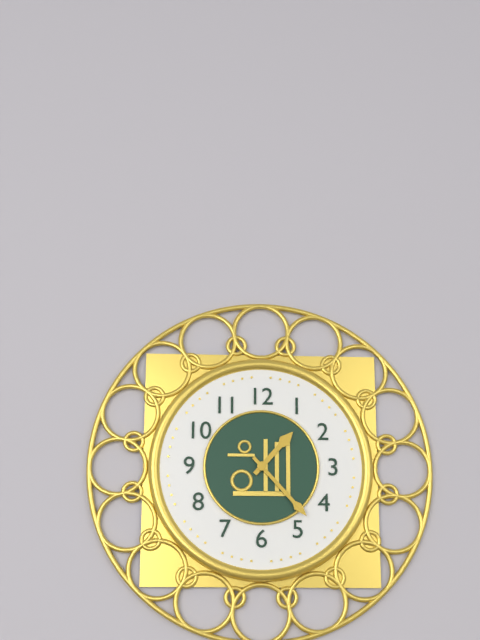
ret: **1:23**
